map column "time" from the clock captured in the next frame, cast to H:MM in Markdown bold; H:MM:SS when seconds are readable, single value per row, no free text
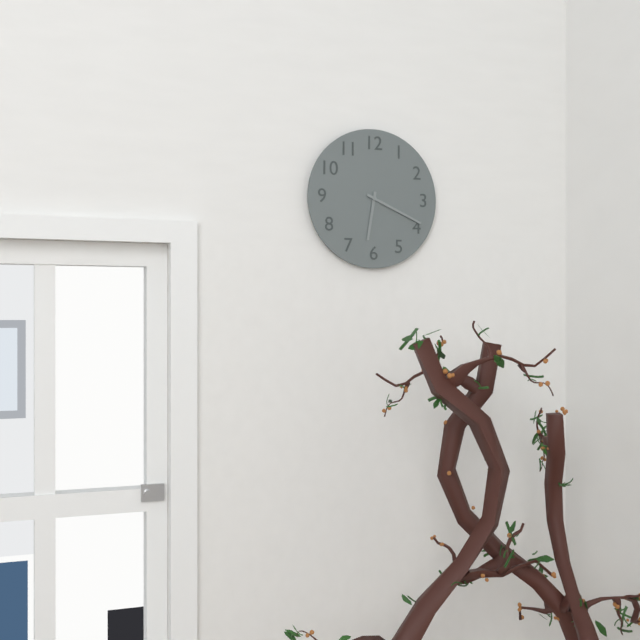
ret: **6:19**
